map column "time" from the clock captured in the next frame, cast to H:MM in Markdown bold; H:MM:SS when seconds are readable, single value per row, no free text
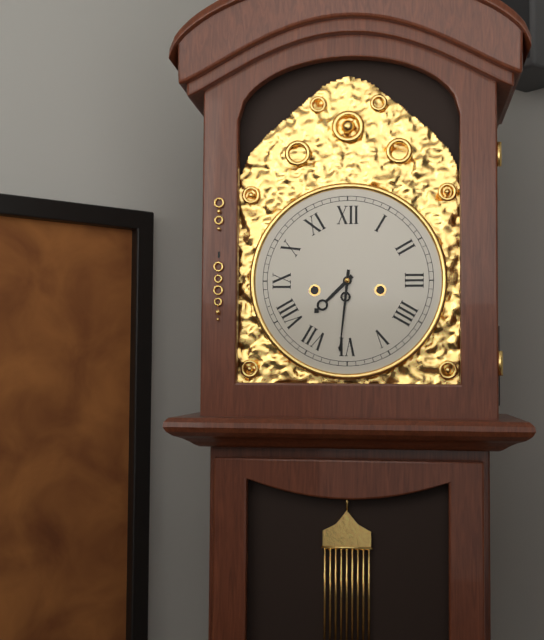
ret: **7:31**
